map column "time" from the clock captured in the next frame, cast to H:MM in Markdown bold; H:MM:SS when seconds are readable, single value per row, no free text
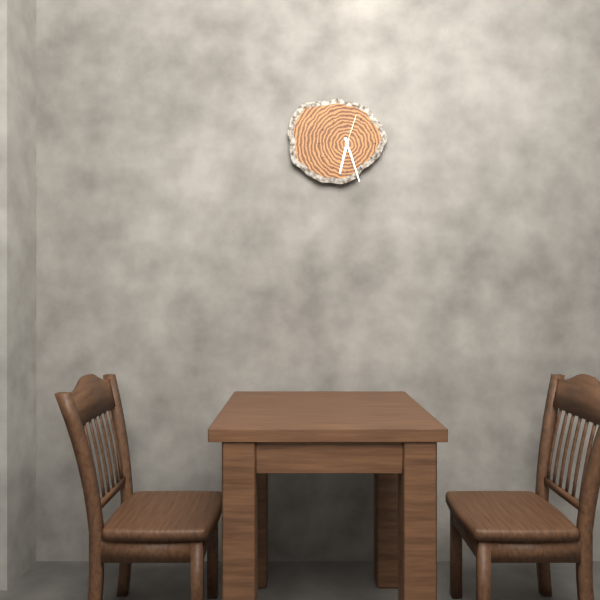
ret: **6:27**
